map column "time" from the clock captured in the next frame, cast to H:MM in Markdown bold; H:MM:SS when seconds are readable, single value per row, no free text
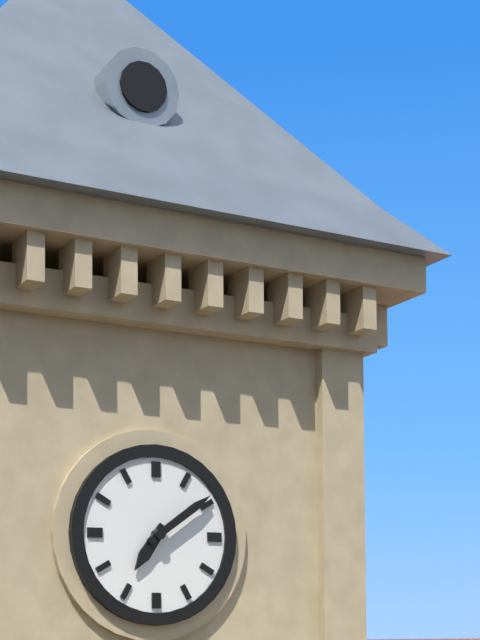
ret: **7:09**
